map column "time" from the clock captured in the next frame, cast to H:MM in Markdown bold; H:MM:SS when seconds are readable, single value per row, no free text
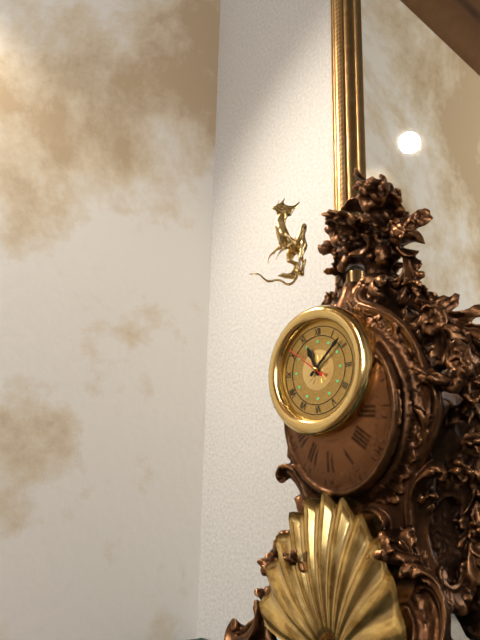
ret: **11:08**
